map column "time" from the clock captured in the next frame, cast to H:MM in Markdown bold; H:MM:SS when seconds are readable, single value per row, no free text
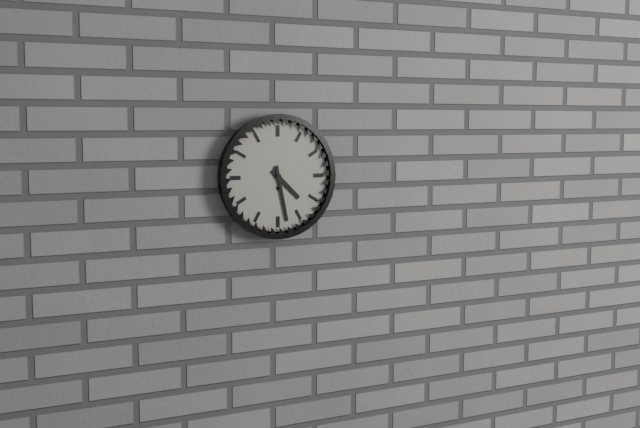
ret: **4:28**
